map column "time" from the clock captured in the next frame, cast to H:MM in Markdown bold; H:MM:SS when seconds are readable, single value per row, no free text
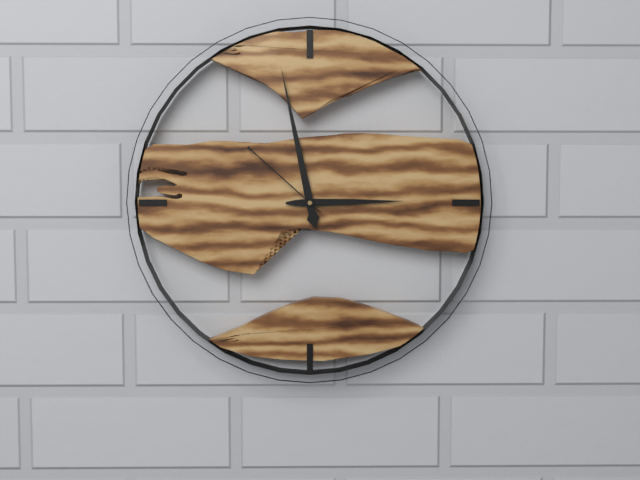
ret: **2:58:52**
